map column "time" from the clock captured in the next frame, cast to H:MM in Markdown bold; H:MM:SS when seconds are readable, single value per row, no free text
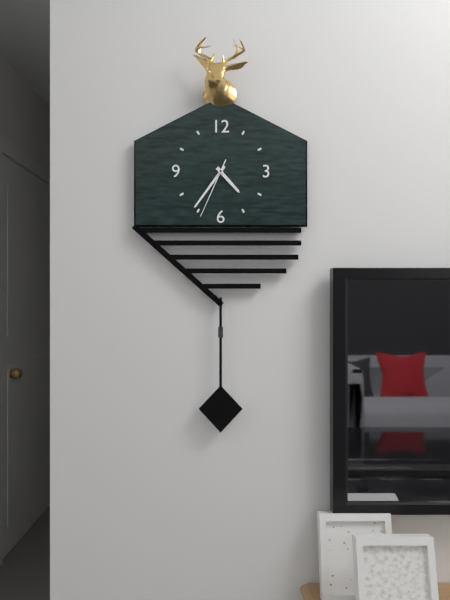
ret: **4:36:34**
